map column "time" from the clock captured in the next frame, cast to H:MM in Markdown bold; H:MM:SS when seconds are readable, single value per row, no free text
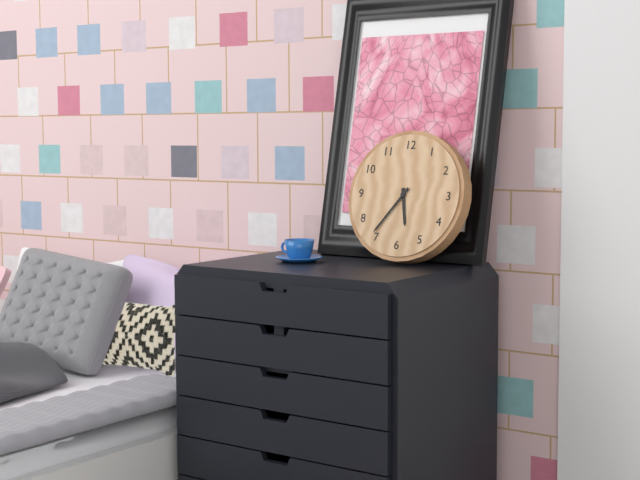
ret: **5:36**
